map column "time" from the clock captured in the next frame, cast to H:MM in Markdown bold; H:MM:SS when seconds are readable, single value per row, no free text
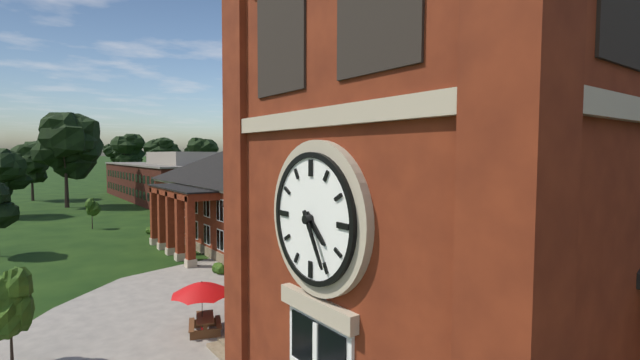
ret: **4:25**
